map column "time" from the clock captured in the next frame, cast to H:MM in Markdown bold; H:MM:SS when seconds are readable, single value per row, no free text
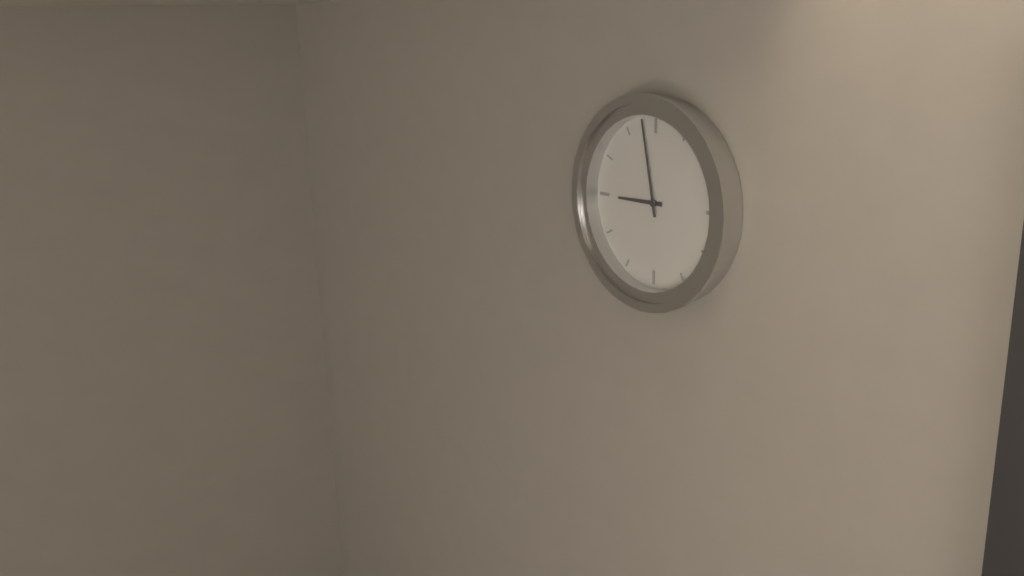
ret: **8:58**
